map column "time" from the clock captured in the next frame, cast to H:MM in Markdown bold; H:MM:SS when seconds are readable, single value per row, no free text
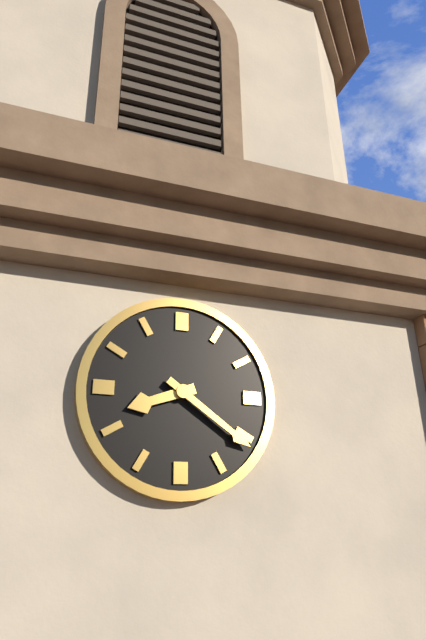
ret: **8:21**
